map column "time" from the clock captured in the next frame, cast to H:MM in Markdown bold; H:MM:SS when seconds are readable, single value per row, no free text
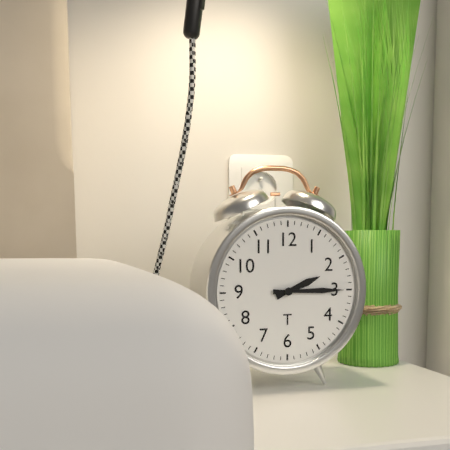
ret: **2:15**
